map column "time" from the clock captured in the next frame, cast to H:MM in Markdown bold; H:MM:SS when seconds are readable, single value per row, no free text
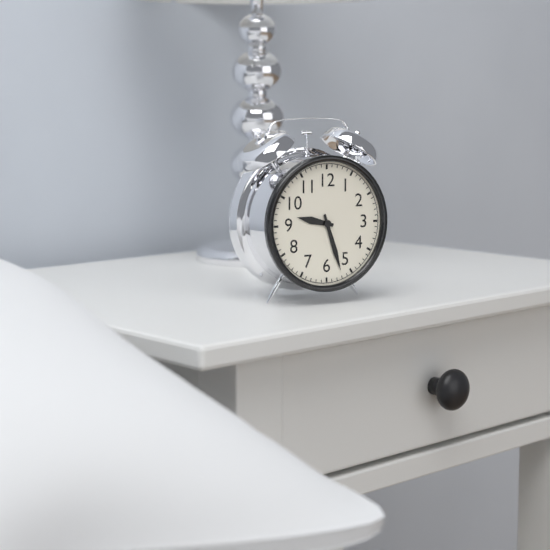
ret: **9:27**
